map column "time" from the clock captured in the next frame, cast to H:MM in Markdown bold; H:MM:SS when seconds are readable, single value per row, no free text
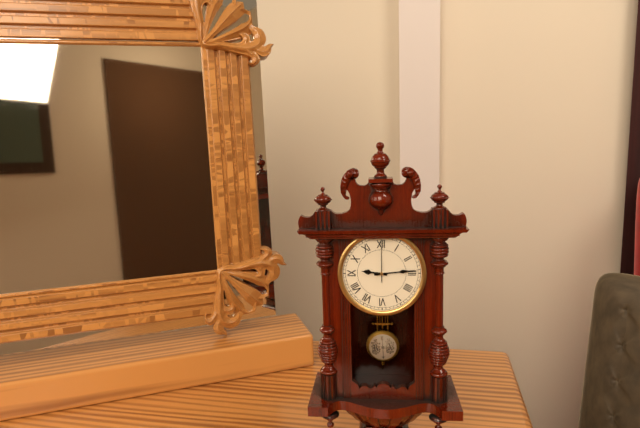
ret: **9:14**
